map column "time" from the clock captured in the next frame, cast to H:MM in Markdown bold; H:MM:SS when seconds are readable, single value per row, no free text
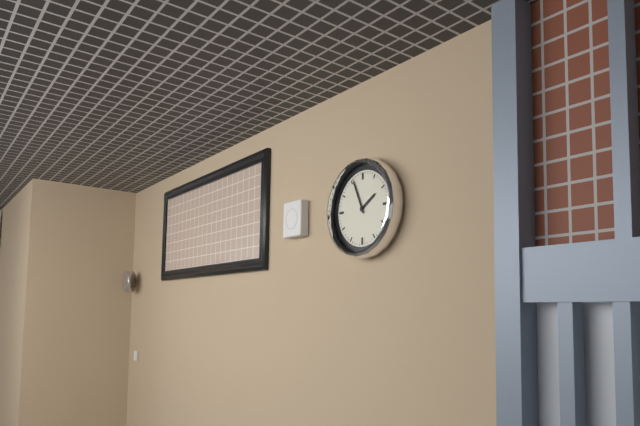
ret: **1:56**
